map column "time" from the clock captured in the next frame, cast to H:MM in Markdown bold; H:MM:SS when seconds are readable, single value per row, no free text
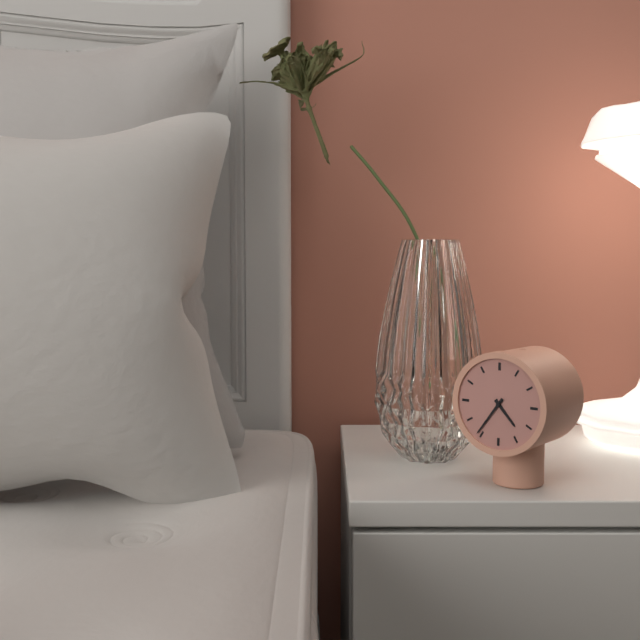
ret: **4:36**
